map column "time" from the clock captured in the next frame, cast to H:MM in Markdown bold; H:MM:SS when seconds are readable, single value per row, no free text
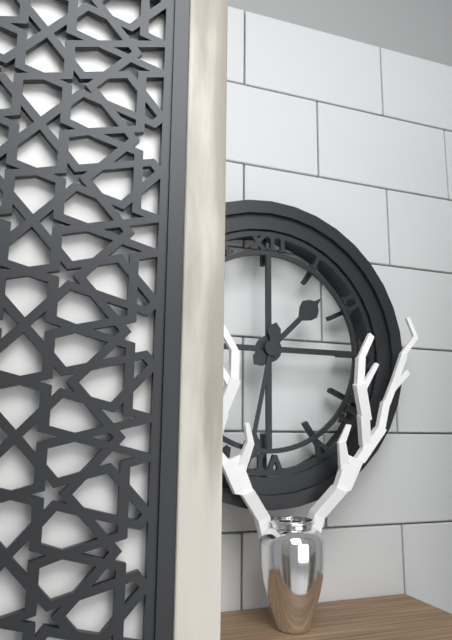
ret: **1:32**
